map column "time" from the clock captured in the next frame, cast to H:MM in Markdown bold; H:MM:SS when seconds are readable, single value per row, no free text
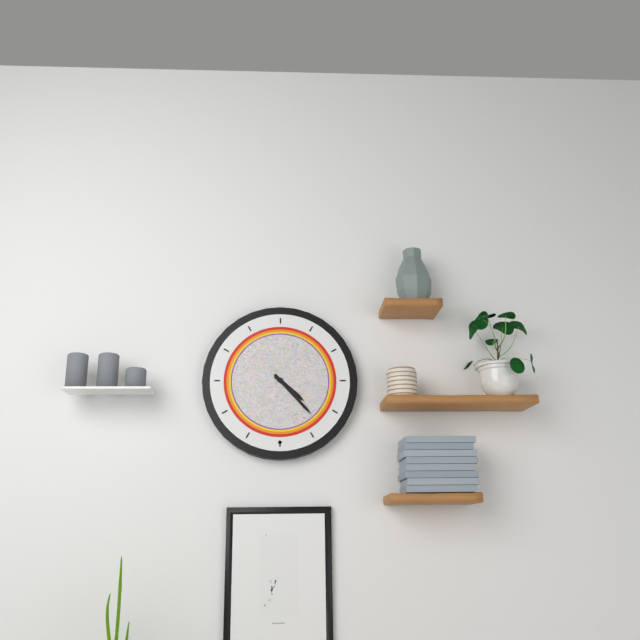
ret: **4:23**
